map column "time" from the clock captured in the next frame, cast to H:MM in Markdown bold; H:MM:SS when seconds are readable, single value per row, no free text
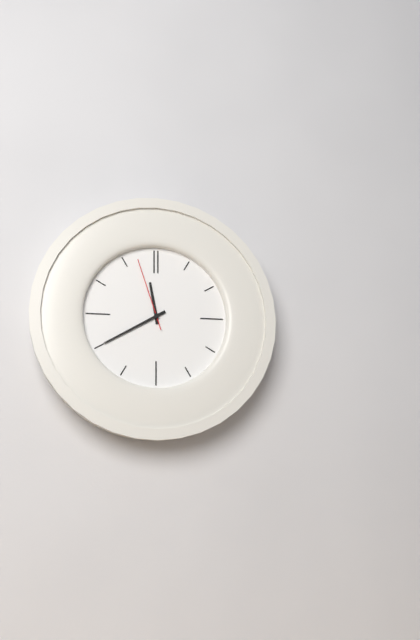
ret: **11:40:57**
